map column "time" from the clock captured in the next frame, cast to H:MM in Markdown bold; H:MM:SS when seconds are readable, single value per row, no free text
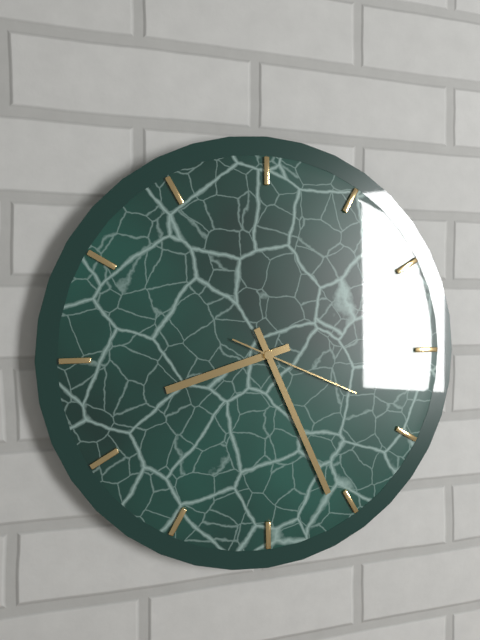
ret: **8:26:19**
